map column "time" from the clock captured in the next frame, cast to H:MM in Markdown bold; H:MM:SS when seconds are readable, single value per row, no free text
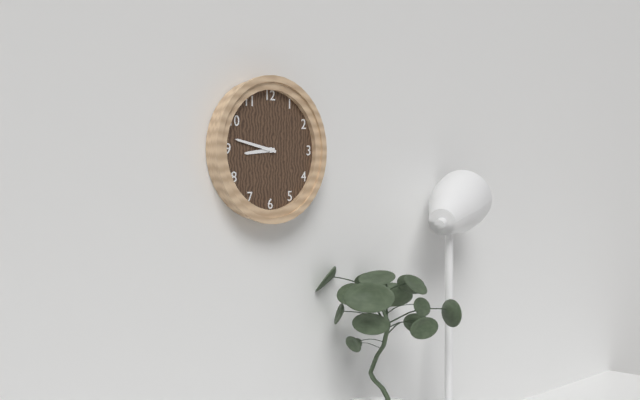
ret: **8:47**
